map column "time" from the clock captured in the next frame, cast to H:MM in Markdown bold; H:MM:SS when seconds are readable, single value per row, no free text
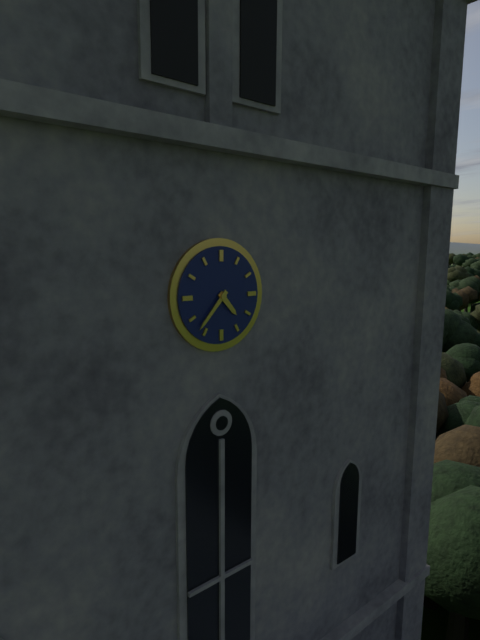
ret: **4:37**
